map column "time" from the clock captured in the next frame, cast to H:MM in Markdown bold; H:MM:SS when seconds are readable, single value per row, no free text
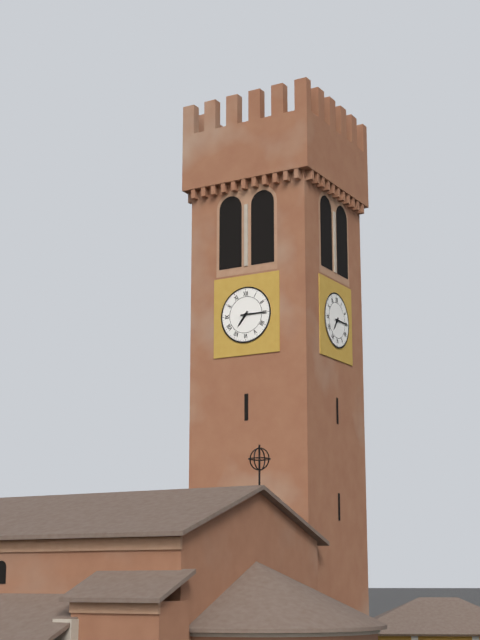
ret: **7:15**
